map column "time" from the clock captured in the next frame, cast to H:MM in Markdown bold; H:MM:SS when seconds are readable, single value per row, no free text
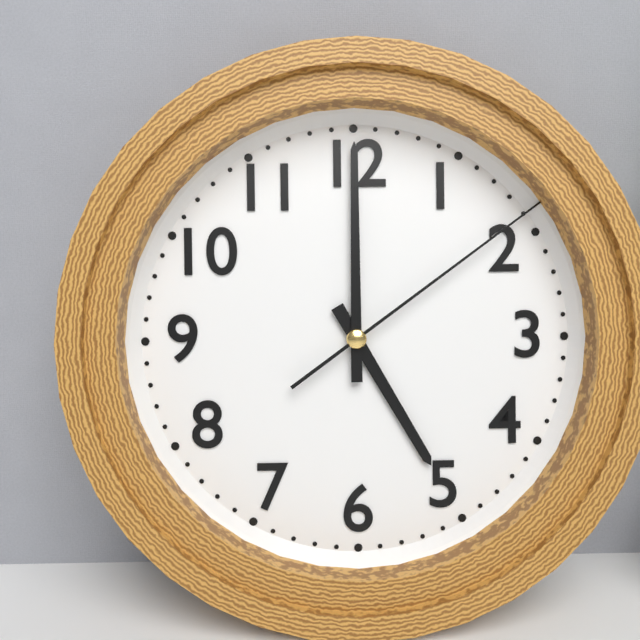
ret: **5:00:09**
